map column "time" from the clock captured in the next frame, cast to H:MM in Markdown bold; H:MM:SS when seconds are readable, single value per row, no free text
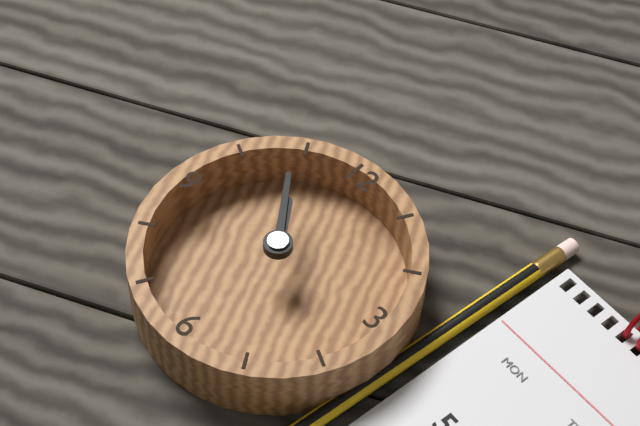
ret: **10:54**
